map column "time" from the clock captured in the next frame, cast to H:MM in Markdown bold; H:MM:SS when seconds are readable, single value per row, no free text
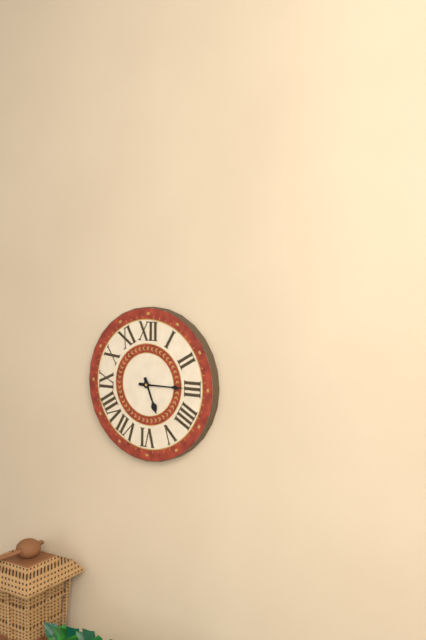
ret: **5:15**
